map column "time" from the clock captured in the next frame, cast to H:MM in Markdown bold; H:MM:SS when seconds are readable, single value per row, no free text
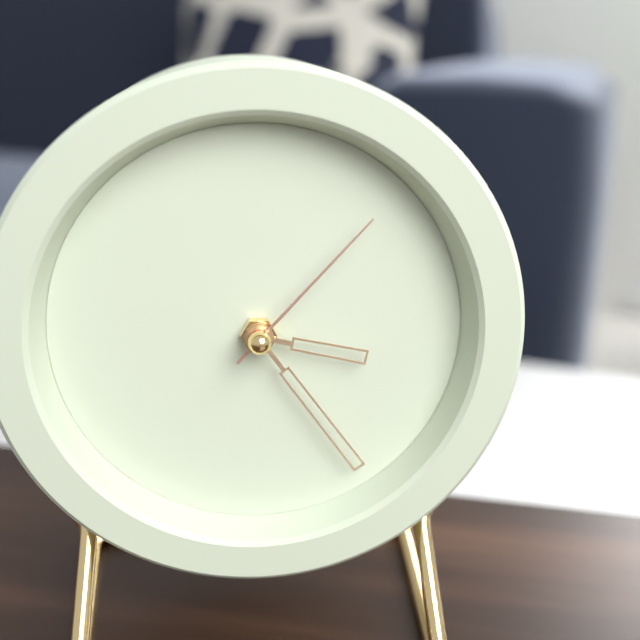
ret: **3:24:07**
